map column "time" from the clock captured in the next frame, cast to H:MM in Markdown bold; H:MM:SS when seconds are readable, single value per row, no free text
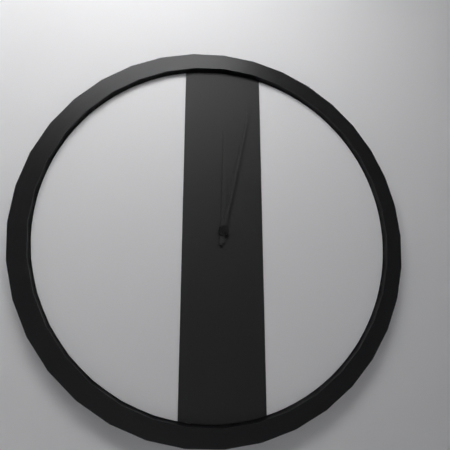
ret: **12:02**
